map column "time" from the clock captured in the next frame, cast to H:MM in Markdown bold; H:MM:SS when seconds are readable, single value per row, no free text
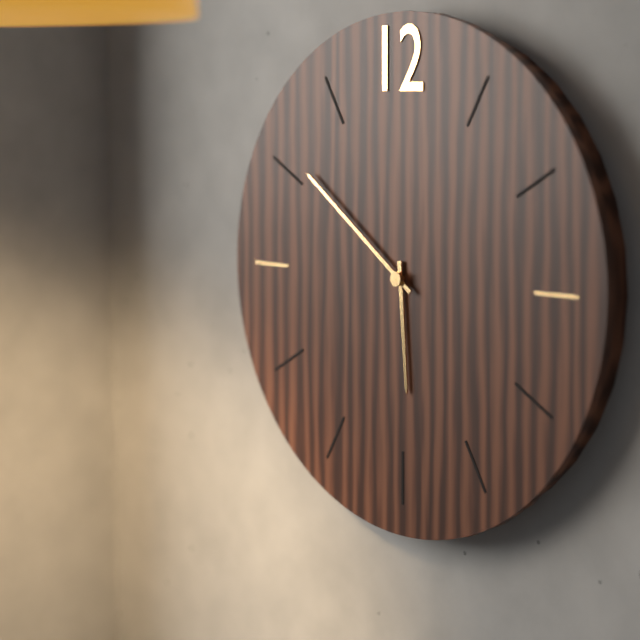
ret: **5:51**
